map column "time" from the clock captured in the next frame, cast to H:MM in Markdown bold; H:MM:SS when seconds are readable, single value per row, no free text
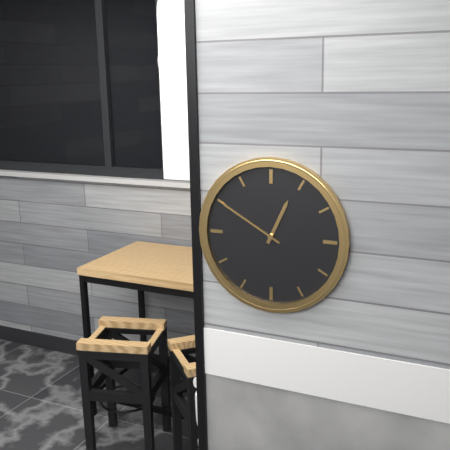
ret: **12:50**
